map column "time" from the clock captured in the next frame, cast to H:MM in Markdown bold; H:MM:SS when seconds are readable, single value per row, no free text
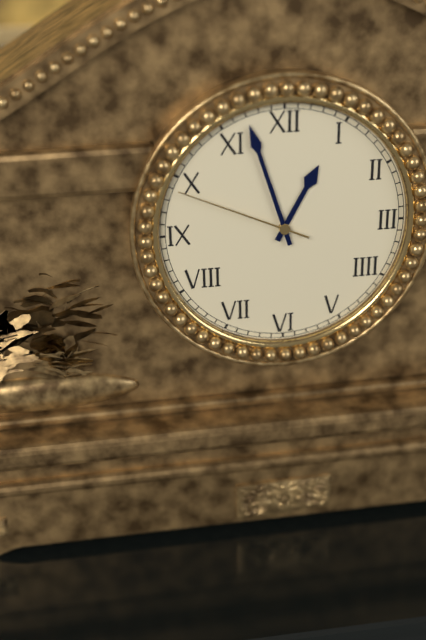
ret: **12:57:49**
